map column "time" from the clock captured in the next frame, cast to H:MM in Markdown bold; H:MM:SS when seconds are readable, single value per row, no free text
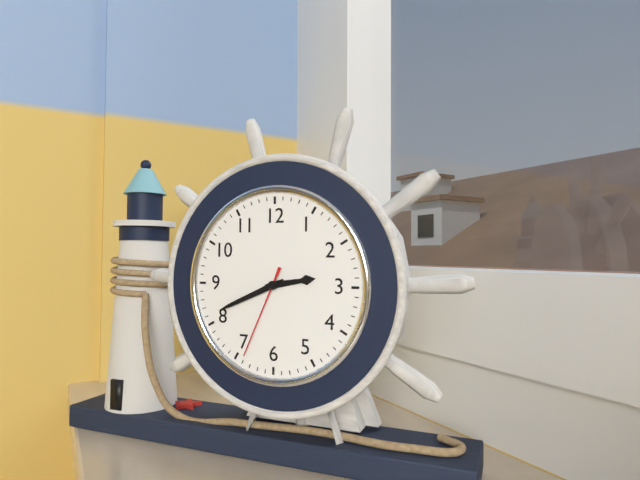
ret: **2:41:34**
